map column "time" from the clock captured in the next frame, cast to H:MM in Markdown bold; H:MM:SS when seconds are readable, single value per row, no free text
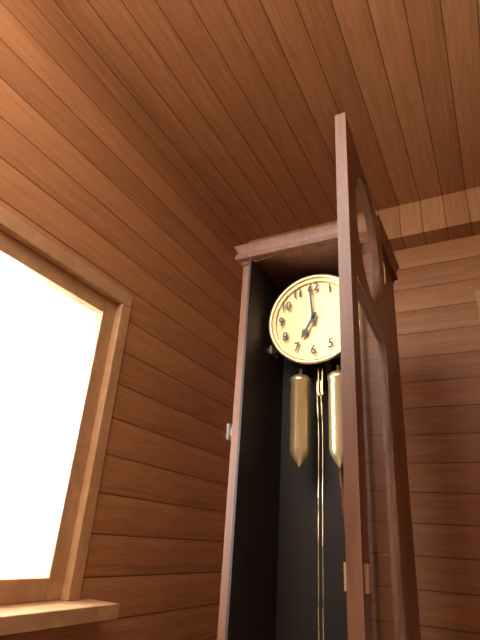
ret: **6:59**
